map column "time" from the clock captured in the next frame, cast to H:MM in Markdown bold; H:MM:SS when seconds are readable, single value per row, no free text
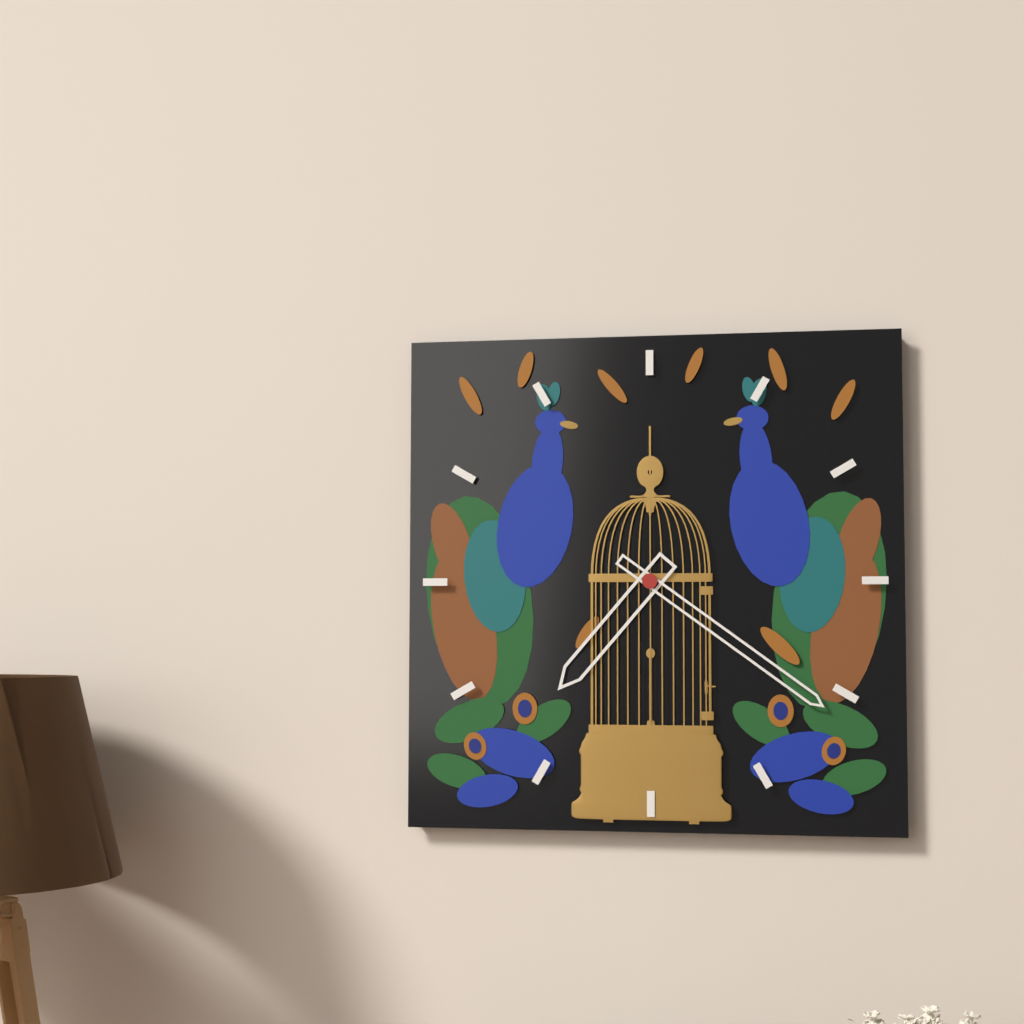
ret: **7:21**
